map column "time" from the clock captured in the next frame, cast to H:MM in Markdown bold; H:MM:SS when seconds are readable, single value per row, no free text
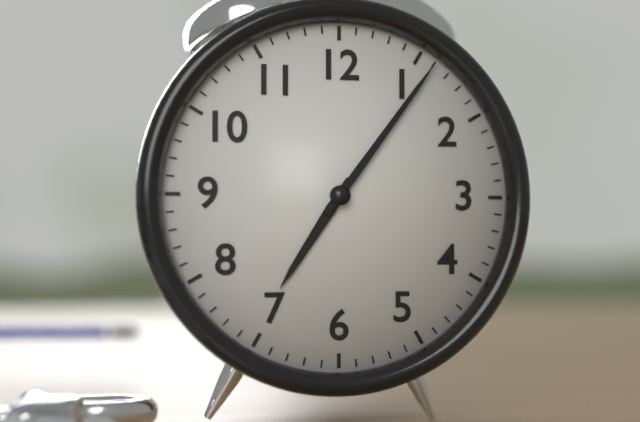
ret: **7:06**
